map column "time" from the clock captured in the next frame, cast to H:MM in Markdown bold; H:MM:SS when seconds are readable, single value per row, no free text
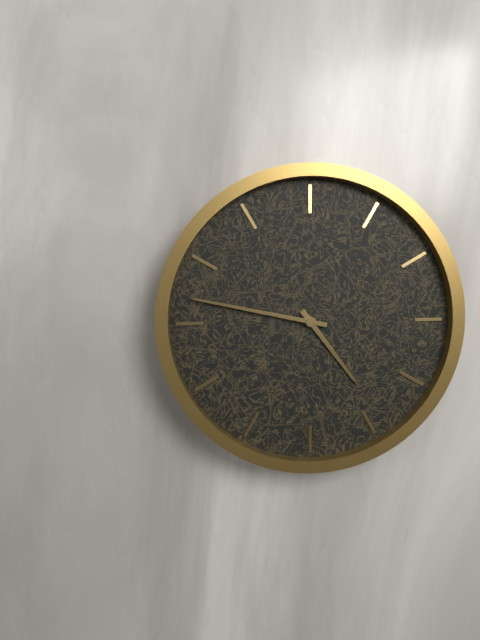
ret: **4:47**
